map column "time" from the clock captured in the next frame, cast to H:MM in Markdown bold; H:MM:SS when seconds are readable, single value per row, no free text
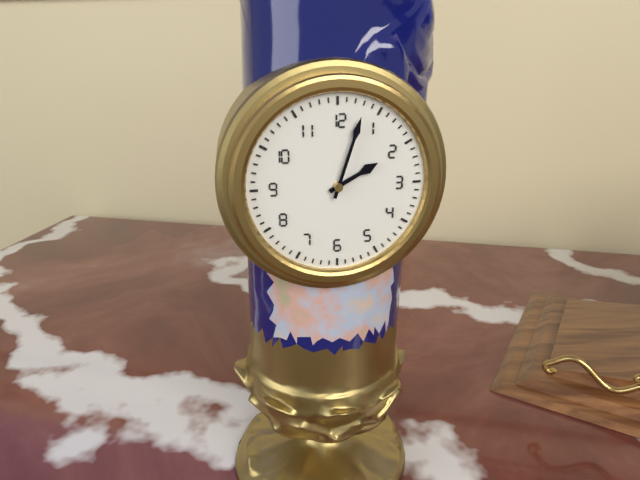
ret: **2:03**
